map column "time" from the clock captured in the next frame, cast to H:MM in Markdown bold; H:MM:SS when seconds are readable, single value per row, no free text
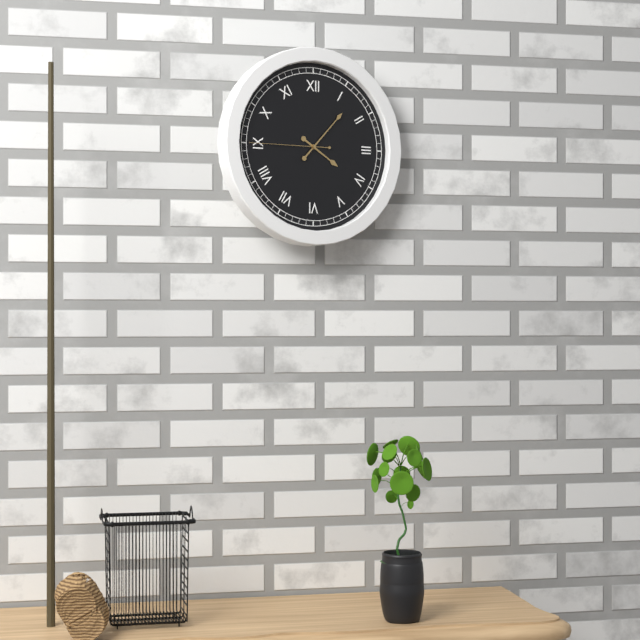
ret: **4:07:45**
